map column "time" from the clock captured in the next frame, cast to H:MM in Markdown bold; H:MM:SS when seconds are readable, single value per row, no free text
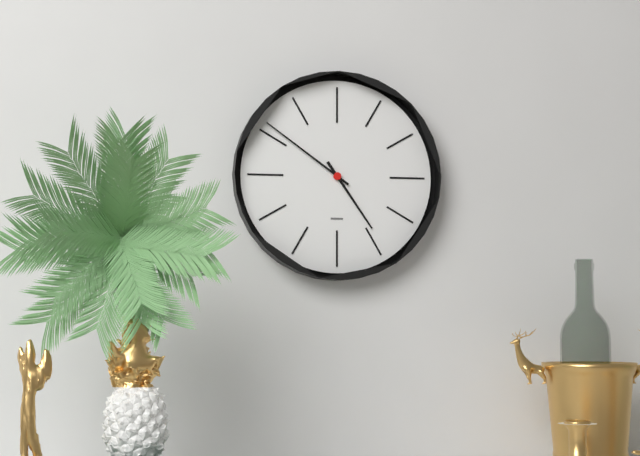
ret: **4:51**
